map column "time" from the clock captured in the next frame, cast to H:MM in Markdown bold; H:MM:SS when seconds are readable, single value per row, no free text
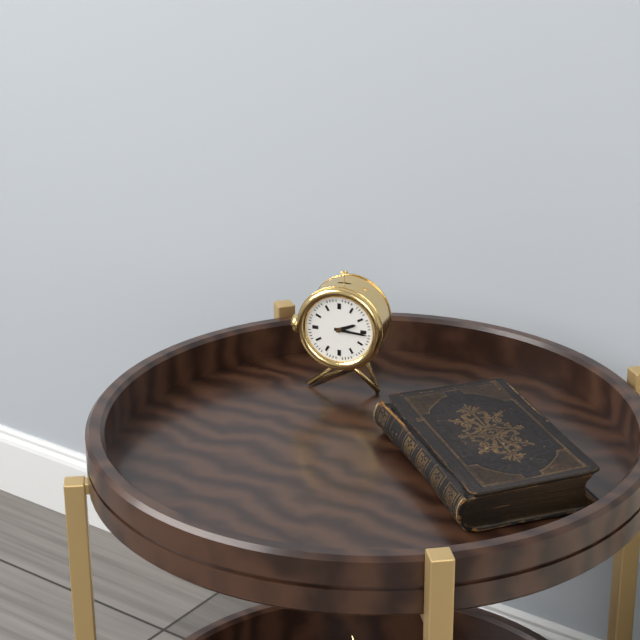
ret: **2:16**
